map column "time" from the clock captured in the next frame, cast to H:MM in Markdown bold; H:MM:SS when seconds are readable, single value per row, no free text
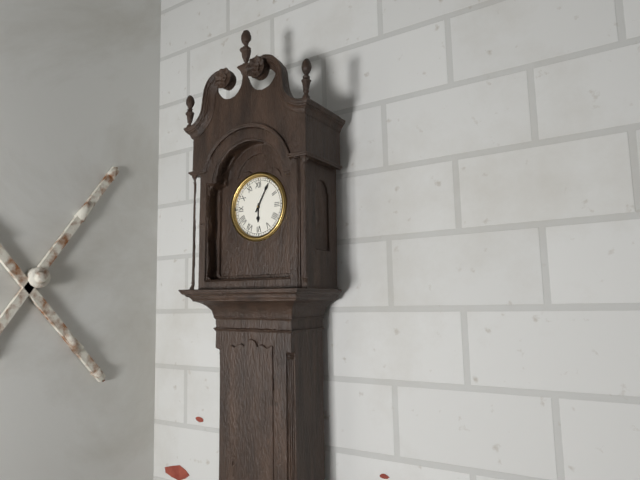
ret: **6:05**
